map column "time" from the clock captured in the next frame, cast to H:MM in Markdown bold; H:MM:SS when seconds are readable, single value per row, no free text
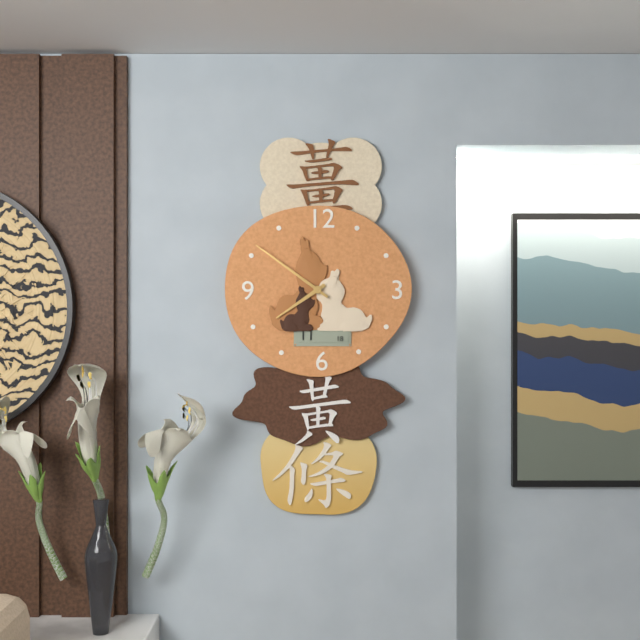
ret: **7:51**
